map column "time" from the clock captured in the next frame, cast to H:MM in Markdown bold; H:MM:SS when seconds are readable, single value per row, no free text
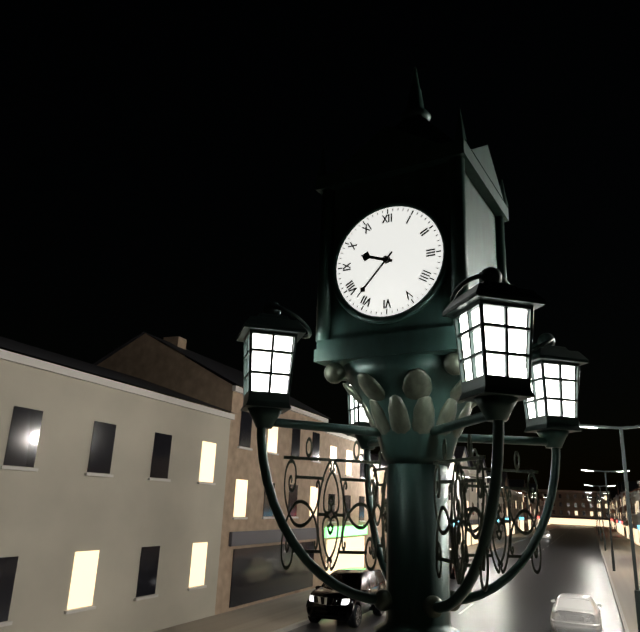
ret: **9:37**
